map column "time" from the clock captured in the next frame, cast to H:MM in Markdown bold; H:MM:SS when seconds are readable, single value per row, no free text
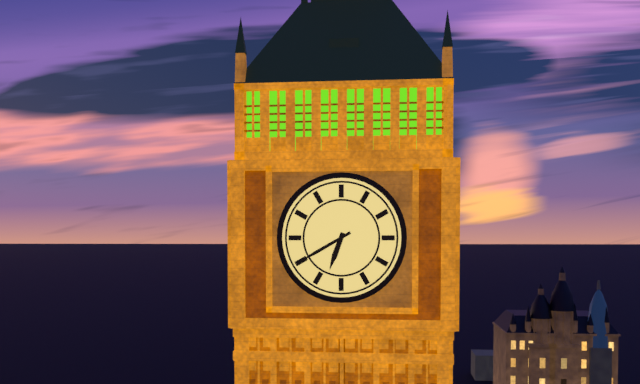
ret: **6:40**
